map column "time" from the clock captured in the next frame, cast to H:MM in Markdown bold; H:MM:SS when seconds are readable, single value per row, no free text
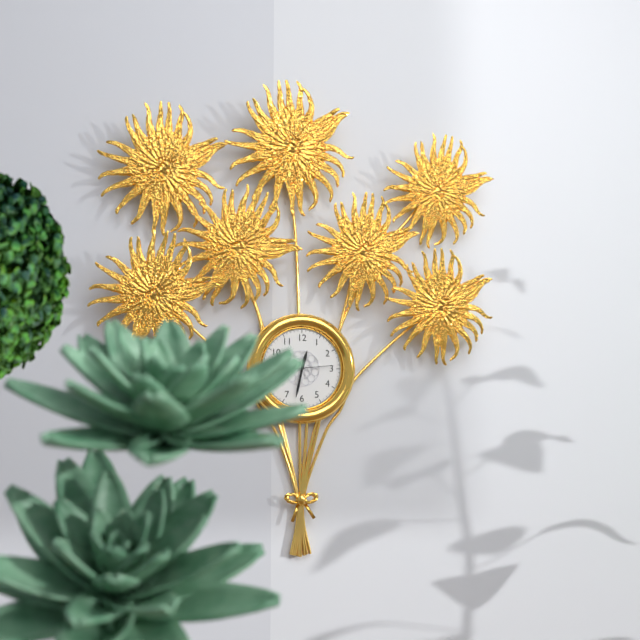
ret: **12:32**
